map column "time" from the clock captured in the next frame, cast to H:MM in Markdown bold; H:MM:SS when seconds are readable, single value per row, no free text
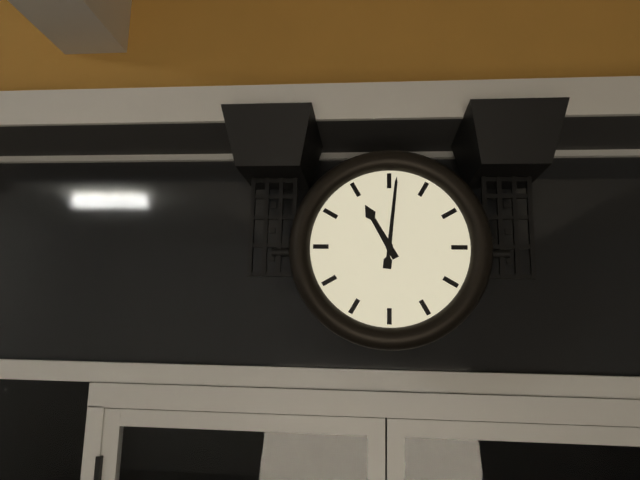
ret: **11:01**
